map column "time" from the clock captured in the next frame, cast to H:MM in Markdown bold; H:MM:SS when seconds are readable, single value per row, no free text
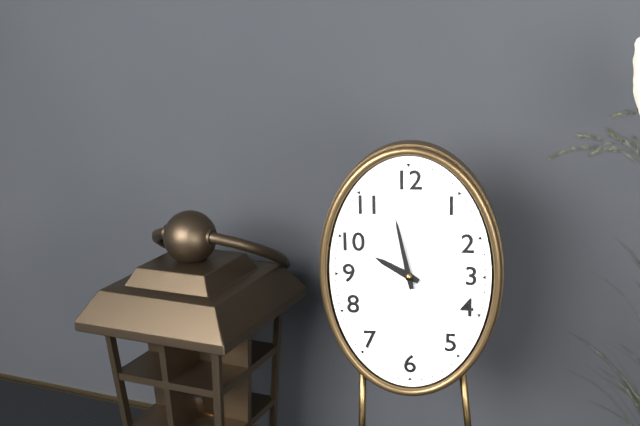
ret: **9:58**
